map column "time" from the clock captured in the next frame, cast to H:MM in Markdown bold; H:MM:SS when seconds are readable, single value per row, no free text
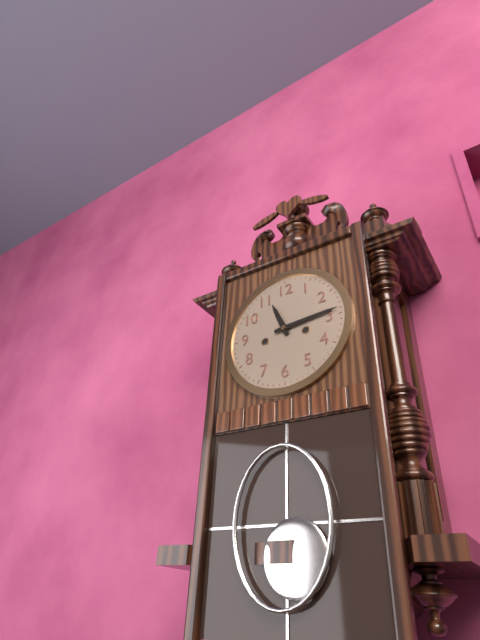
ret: **11:14**
